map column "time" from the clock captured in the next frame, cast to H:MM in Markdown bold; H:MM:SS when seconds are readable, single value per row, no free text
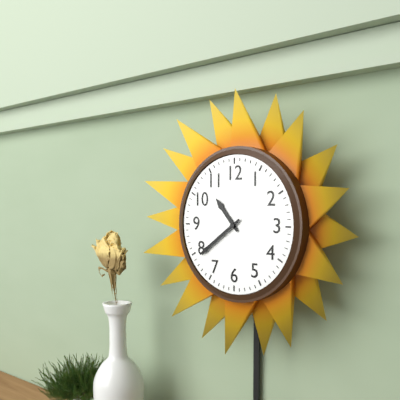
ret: **10:39**
